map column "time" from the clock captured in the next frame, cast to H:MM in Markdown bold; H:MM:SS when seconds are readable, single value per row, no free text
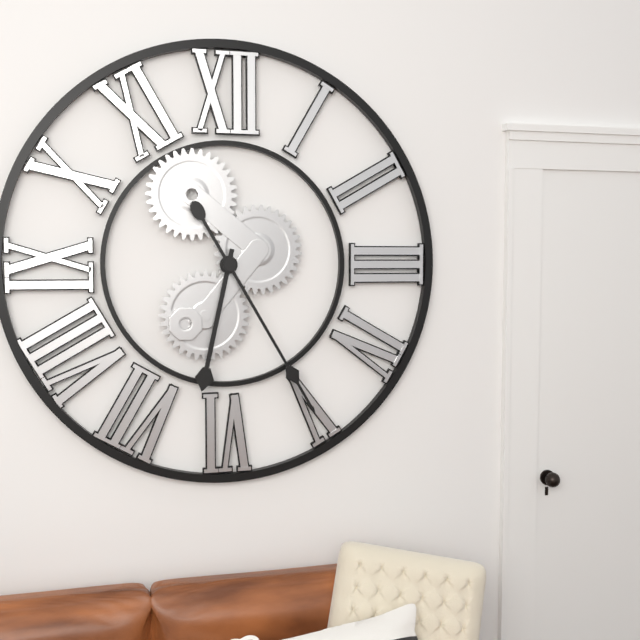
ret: **6:25**
